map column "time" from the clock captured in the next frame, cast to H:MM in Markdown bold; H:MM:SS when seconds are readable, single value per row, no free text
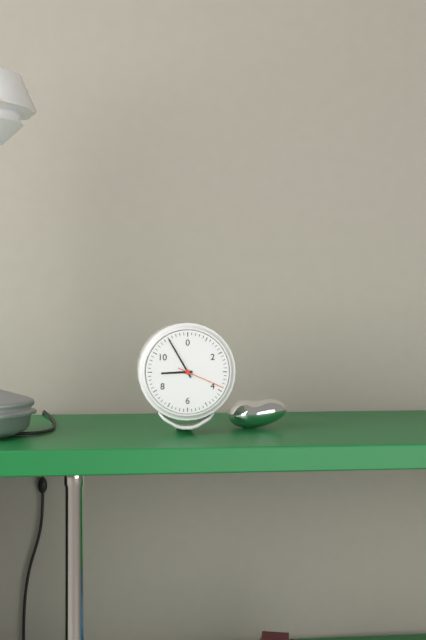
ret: **8:55**
